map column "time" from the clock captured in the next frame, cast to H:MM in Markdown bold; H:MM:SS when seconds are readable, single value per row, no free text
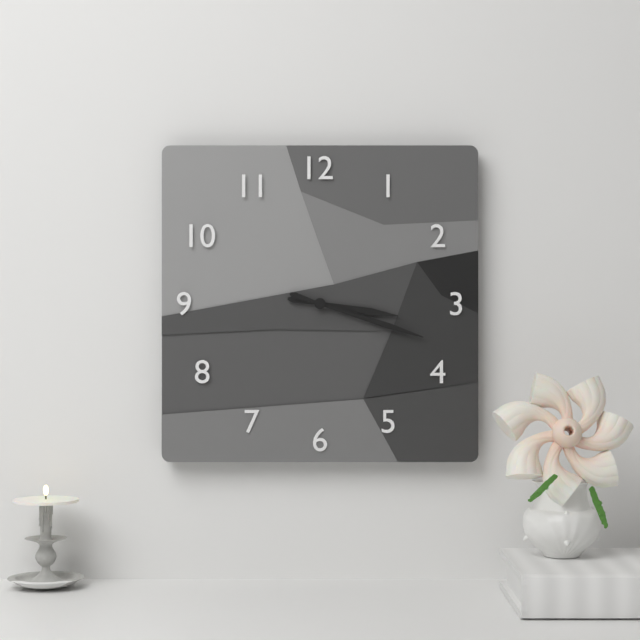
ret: **3:18**
